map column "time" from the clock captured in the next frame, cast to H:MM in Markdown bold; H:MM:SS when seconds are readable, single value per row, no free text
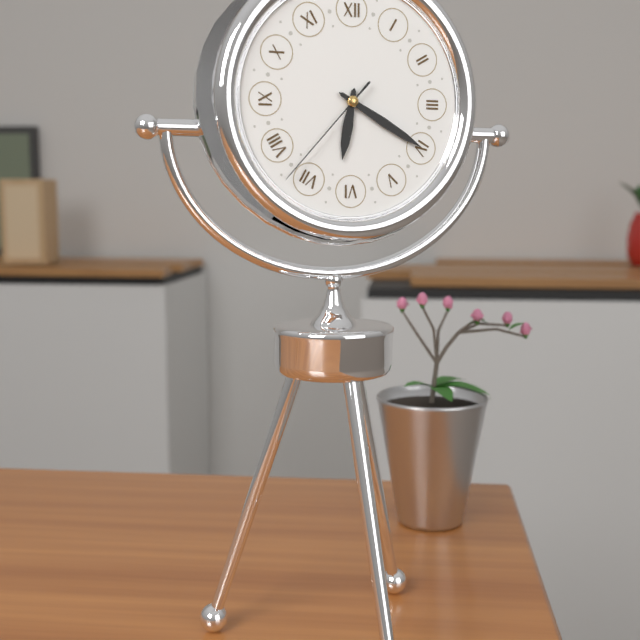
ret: **6:20:37**
